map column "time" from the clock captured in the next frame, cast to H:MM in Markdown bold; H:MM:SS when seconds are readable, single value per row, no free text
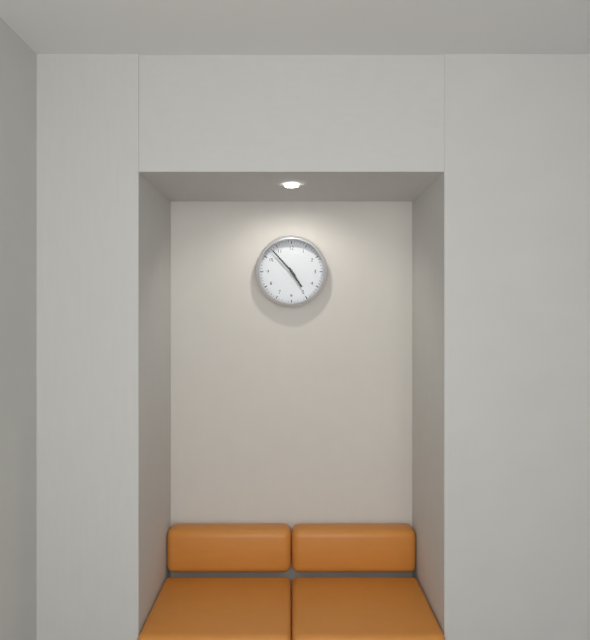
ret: **4:53**
